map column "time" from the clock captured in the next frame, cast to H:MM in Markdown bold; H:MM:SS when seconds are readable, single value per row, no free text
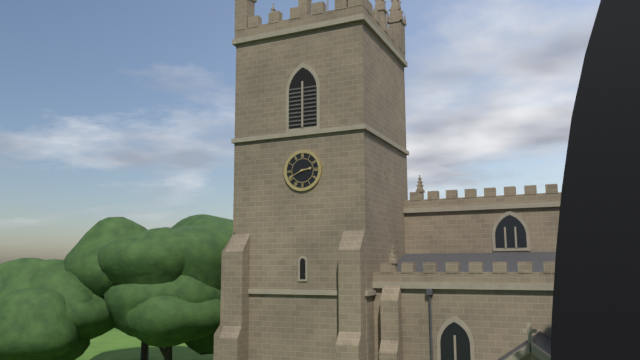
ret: **2:41**
